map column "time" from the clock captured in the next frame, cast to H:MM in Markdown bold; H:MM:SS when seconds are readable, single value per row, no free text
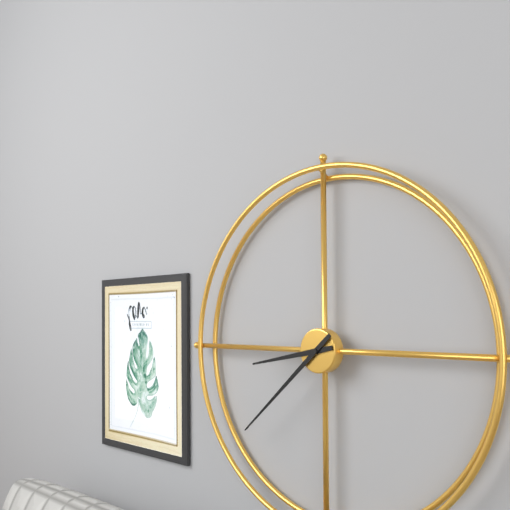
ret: **8:38**
